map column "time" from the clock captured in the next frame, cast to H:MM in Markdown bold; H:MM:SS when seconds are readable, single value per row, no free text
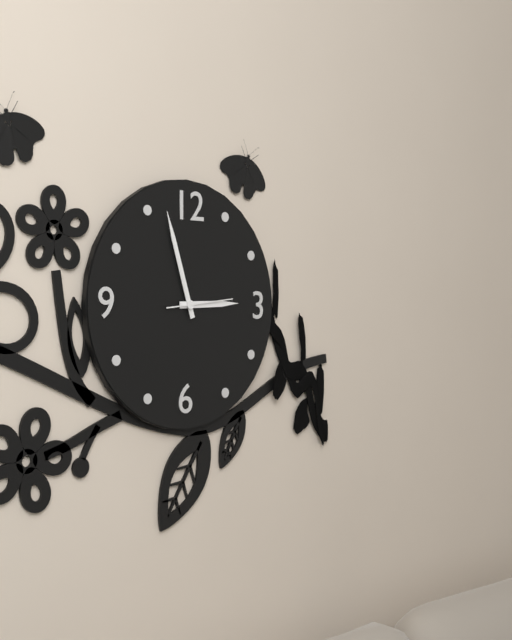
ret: **2:57:14**
